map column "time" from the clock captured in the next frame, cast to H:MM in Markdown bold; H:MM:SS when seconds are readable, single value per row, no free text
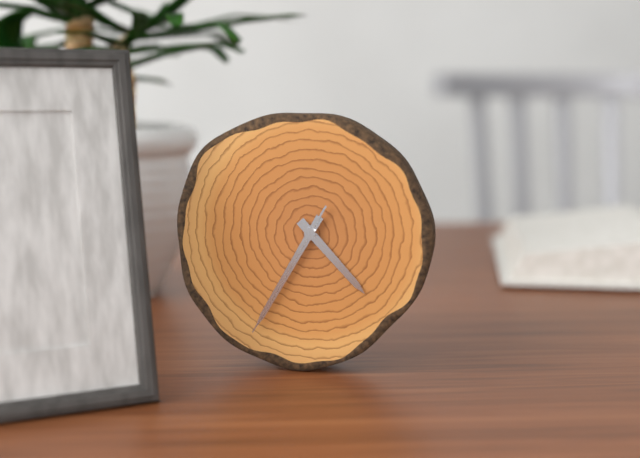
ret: **4:35:35**
